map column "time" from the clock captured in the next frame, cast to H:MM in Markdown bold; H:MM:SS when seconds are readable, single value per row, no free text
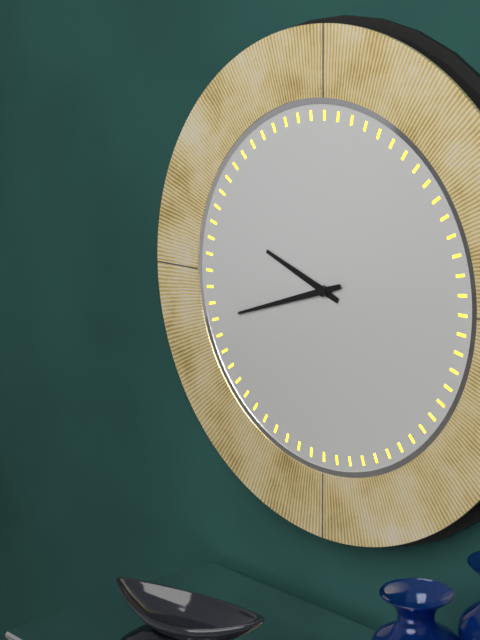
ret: **9:42**
